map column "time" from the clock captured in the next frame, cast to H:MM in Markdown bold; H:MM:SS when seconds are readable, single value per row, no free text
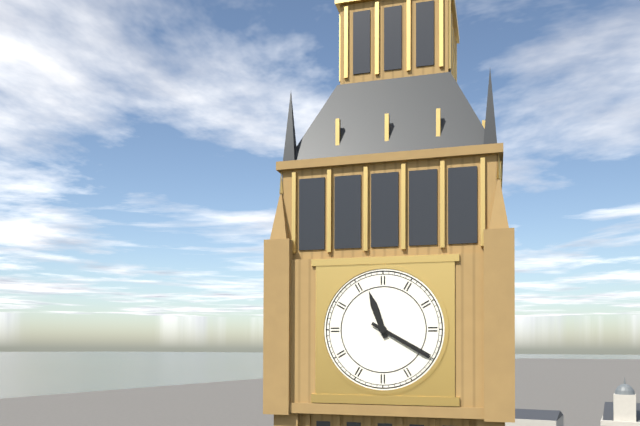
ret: **11:20**
